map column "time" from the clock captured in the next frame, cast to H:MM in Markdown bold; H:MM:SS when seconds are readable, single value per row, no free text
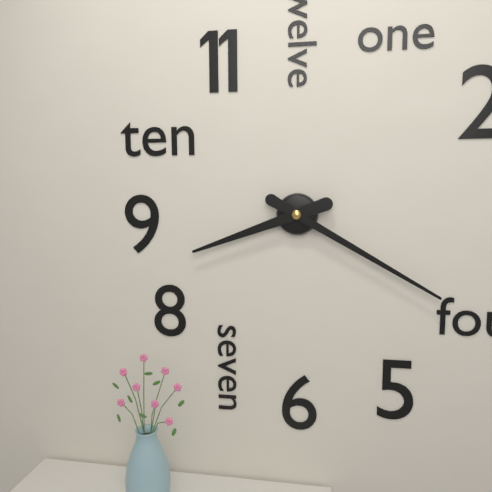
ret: **8:20**
